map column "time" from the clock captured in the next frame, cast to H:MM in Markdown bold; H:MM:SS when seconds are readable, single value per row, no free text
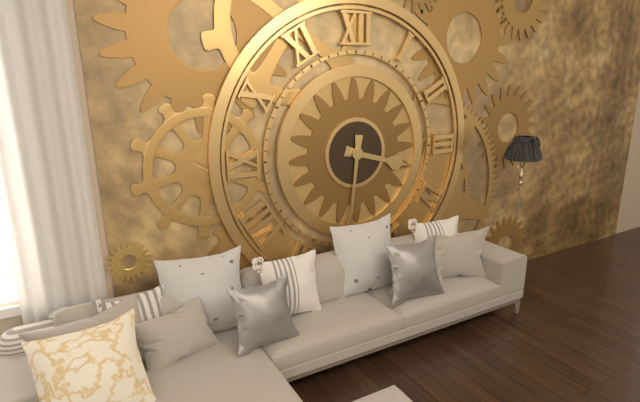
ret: **3:31**
